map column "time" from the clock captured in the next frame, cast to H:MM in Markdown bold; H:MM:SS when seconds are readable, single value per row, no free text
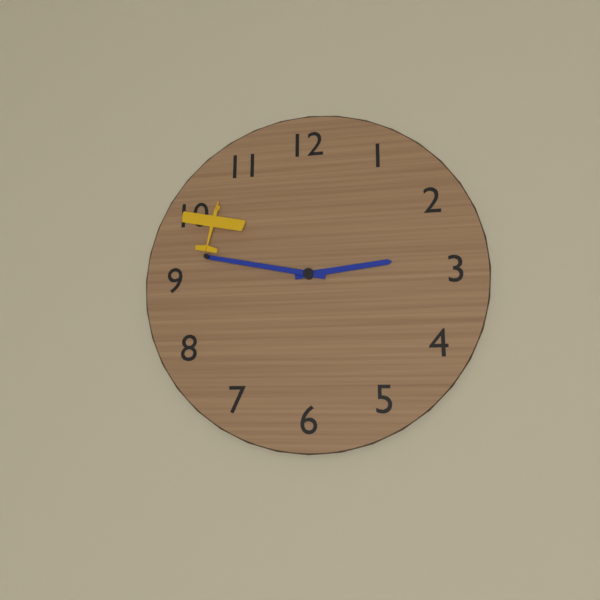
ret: **2:47**
